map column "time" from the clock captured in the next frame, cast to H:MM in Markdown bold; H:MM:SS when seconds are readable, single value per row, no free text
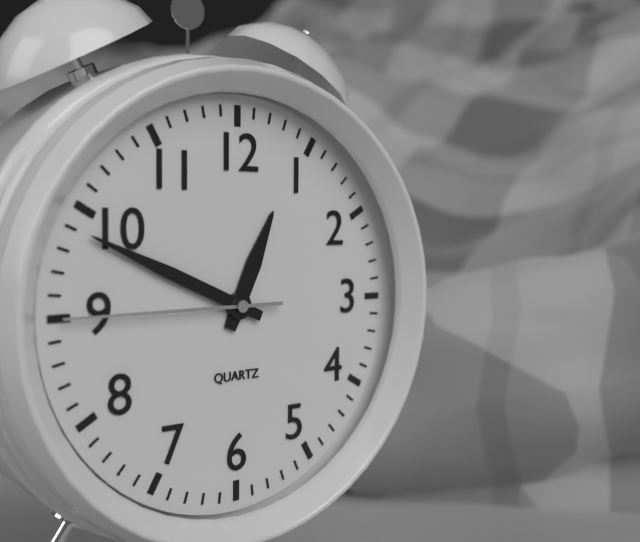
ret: **12:49:45**
